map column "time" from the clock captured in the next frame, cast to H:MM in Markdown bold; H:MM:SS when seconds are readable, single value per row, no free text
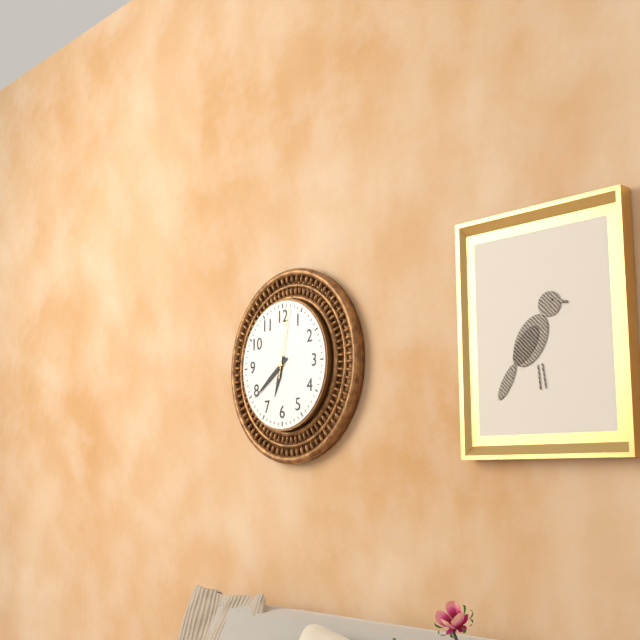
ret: **6:39:02**
